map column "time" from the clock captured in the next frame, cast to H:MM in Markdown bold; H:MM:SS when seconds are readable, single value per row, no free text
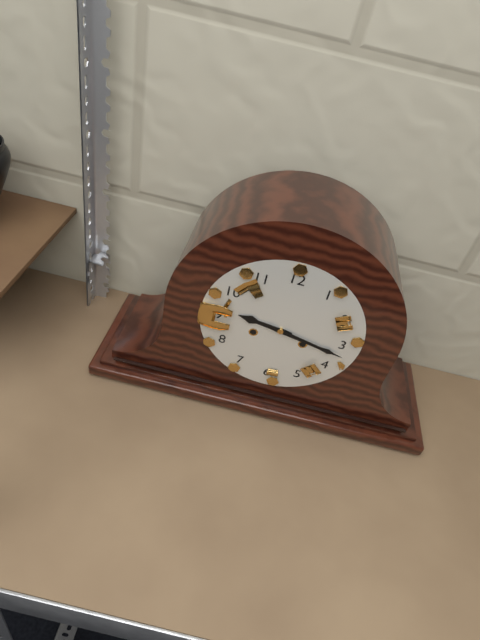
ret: **9:17**
